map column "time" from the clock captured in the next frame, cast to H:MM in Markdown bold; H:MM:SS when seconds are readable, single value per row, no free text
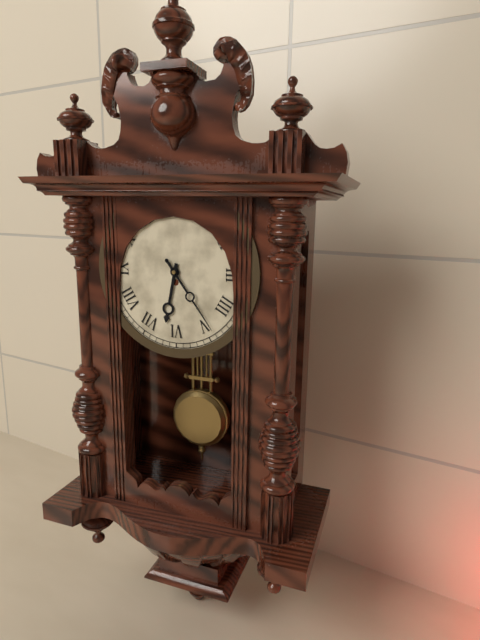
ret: **6:24**
